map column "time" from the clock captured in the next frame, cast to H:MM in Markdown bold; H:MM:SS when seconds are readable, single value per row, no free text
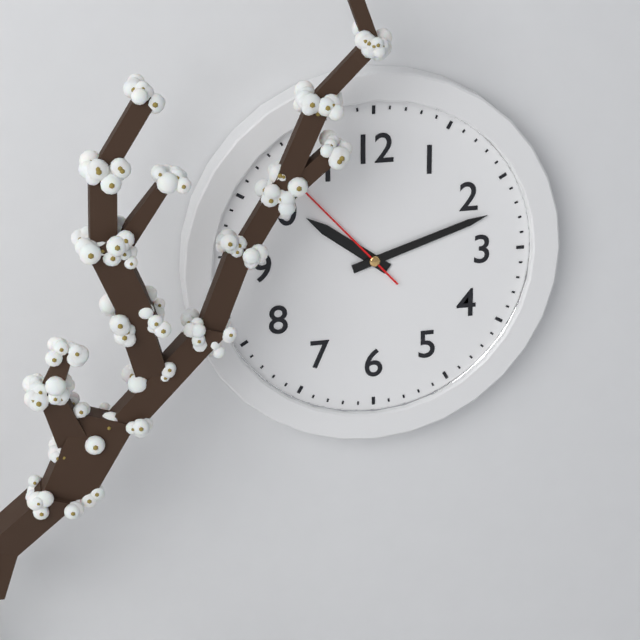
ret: **10:12:53**
